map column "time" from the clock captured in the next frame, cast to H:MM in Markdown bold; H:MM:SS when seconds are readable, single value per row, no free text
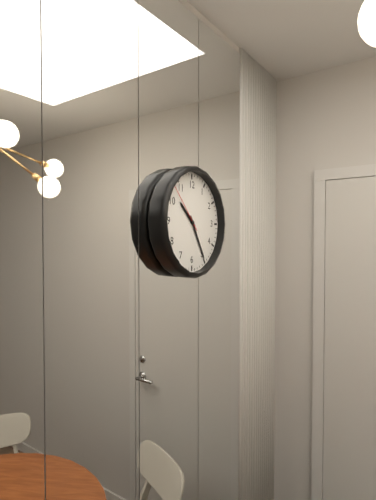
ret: **10:25:53**
